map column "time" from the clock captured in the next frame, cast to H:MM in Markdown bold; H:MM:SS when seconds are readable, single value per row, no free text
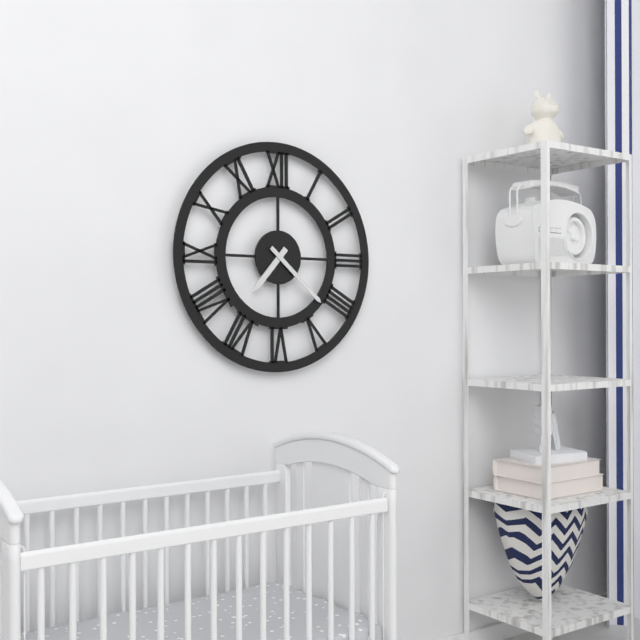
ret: **7:22**
